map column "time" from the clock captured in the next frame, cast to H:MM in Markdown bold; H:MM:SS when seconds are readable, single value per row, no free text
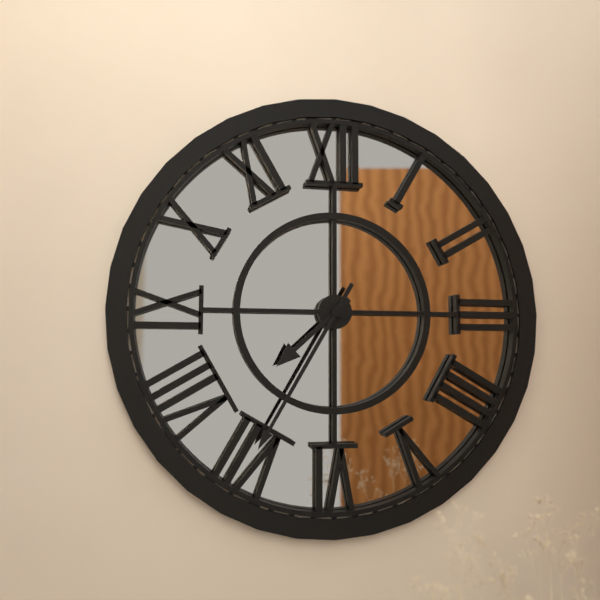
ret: **7:35**
